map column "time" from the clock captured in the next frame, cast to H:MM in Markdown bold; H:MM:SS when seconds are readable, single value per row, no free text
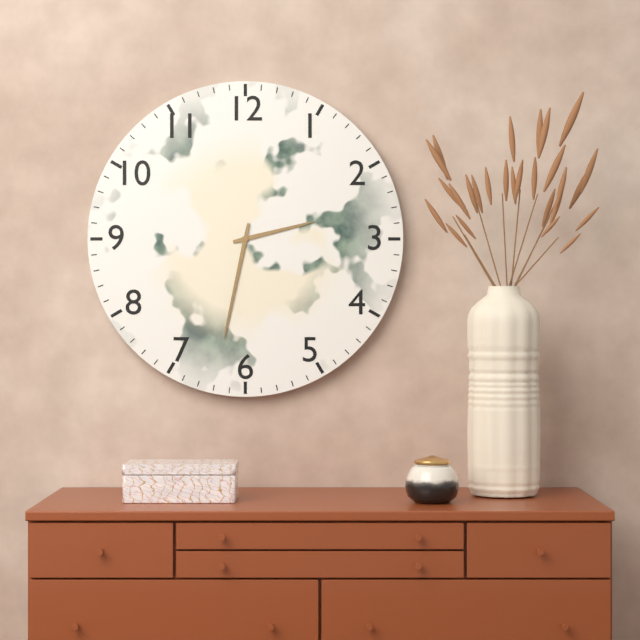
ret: **2:32**
